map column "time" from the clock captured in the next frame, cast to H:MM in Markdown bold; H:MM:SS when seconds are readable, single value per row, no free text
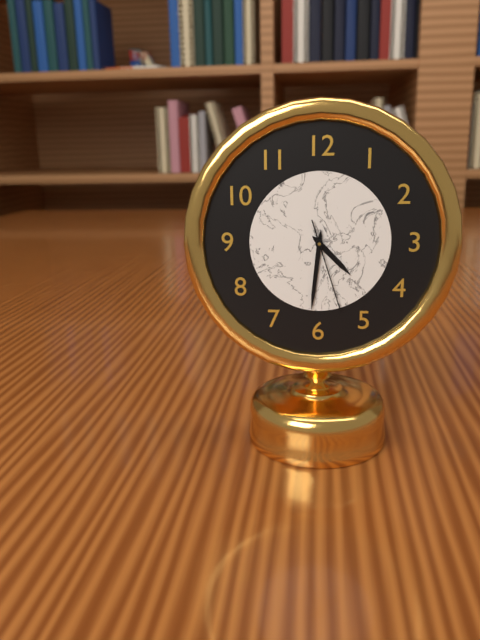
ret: **4:31:27**
